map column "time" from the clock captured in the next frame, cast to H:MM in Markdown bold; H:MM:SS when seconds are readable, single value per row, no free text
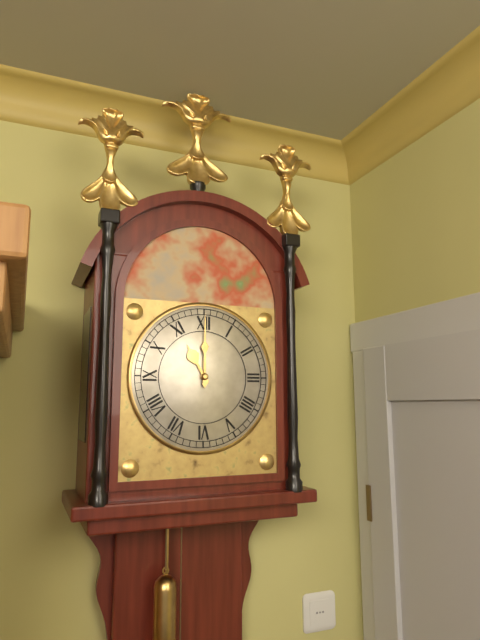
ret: **11:00**
